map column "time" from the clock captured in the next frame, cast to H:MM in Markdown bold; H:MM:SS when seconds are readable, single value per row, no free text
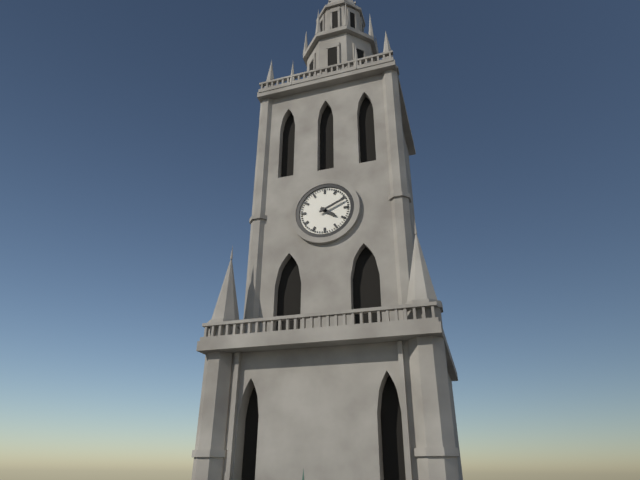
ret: **4:11**
